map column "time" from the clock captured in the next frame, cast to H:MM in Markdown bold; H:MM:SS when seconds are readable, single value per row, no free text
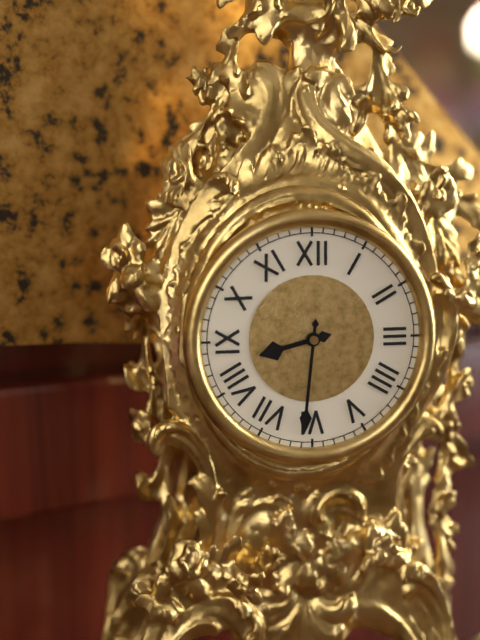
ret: **8:31**
